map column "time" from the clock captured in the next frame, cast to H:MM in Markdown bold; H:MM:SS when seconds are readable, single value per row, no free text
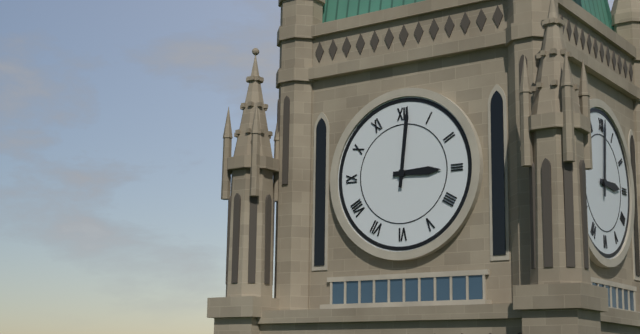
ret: **3:01**
